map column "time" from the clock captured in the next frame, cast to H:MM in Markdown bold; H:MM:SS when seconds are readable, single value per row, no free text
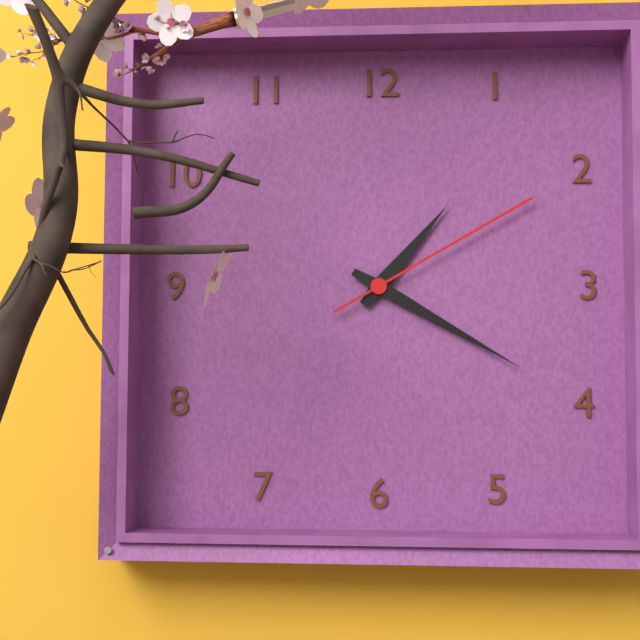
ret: **1:20:10**
